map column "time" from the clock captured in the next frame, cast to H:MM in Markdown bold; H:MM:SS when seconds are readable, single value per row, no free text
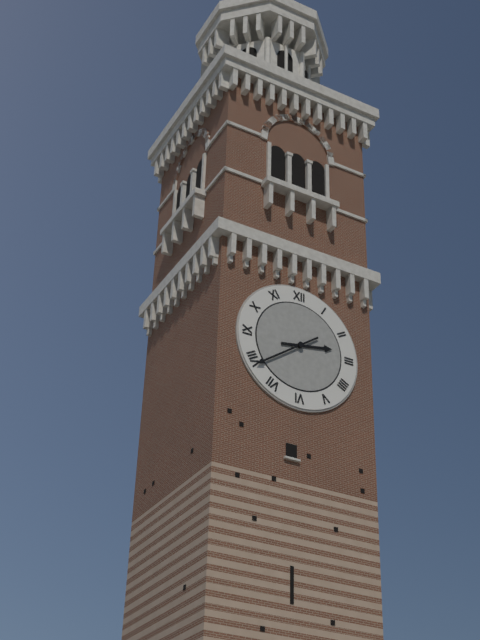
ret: **2:39**
